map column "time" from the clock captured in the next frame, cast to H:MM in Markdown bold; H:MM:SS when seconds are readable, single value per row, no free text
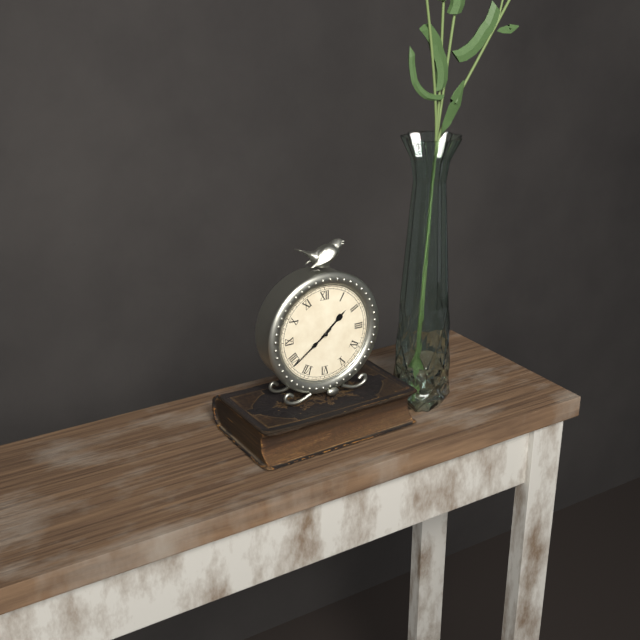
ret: **1:39**
